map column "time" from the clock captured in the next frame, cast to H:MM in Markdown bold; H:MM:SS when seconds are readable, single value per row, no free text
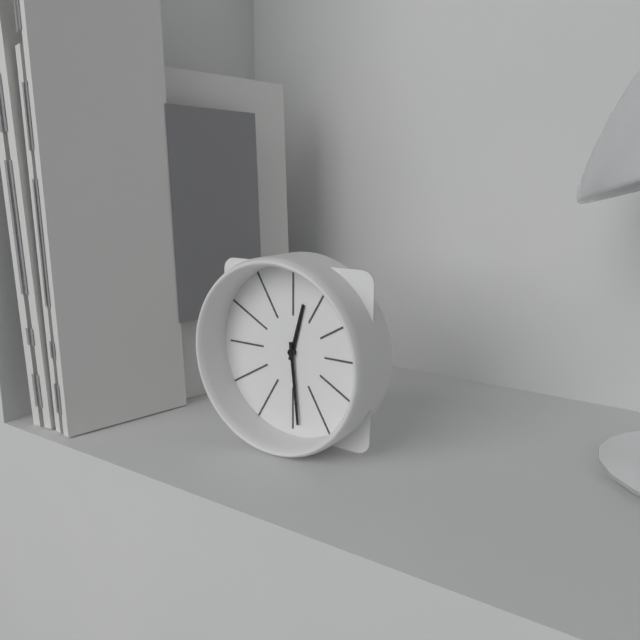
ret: **12:29**
